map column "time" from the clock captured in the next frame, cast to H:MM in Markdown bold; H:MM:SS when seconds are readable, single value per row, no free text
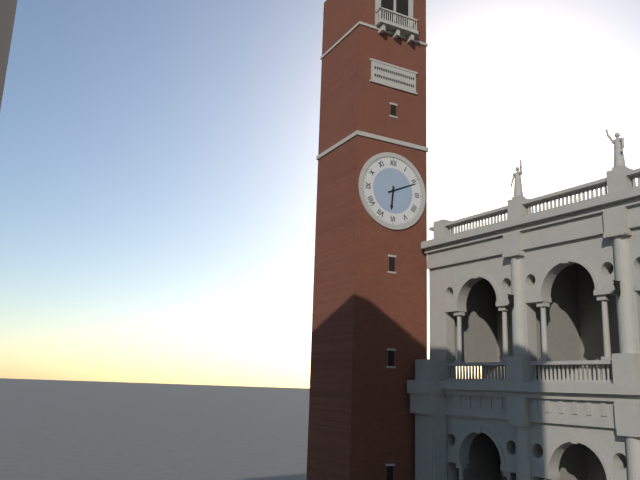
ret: **6:11**
